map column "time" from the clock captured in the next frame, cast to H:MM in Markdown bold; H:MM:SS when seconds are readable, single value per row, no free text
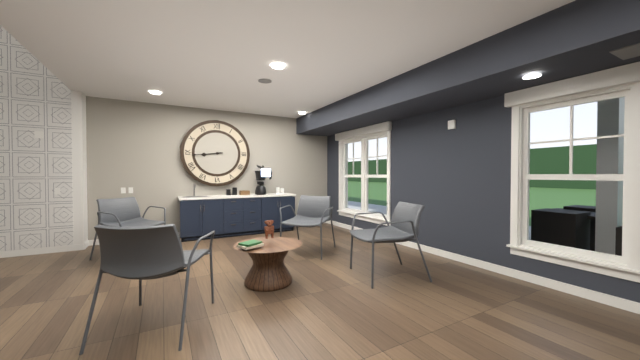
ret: **8:44**
